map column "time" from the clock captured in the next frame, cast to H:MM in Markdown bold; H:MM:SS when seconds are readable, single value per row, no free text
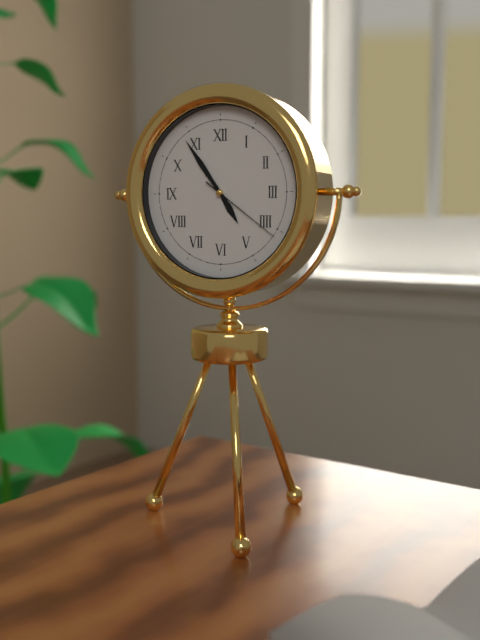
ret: **4:54:21**
